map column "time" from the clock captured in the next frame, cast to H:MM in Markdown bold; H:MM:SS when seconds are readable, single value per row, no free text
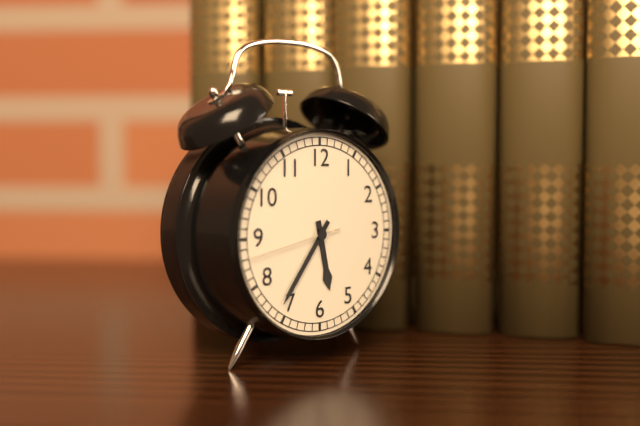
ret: **5:36:43**
